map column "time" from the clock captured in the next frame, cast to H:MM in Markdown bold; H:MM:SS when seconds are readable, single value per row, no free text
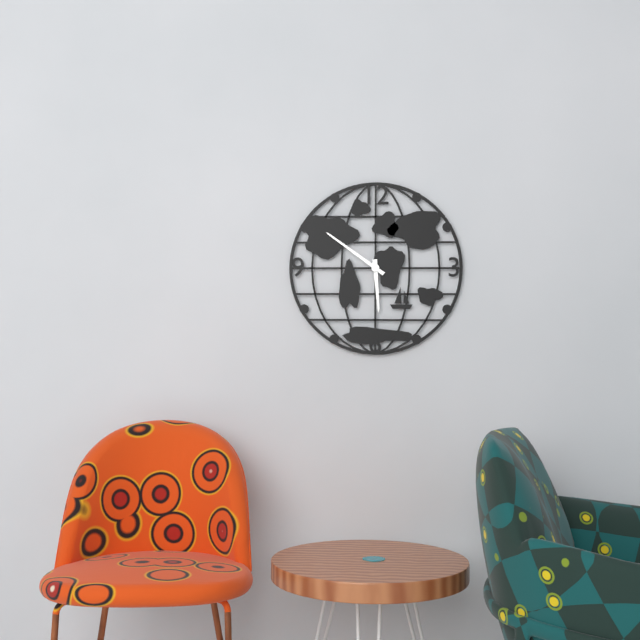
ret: **5:51**
